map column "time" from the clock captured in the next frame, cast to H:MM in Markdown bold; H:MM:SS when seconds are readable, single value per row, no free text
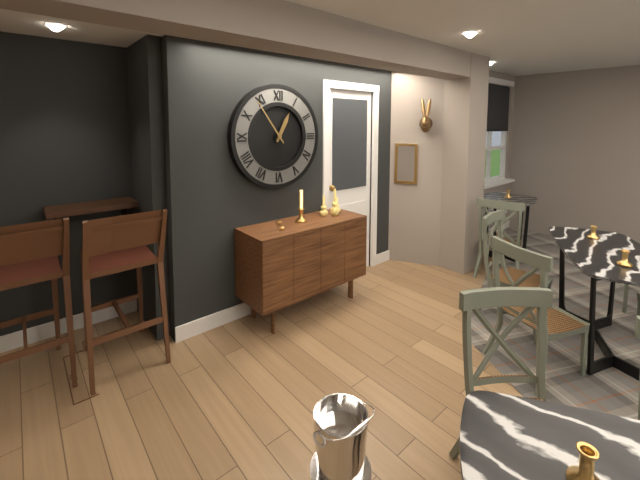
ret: **12:54**
